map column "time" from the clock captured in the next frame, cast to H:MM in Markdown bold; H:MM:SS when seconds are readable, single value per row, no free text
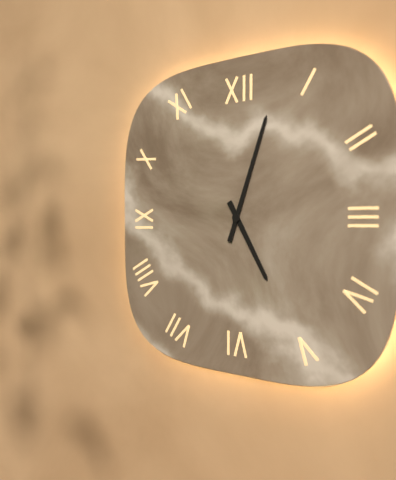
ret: **5:03**
